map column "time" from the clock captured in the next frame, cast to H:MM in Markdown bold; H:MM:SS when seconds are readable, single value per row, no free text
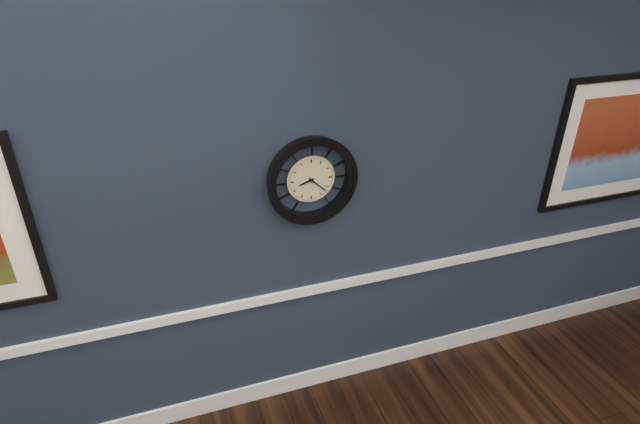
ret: **8:22**
